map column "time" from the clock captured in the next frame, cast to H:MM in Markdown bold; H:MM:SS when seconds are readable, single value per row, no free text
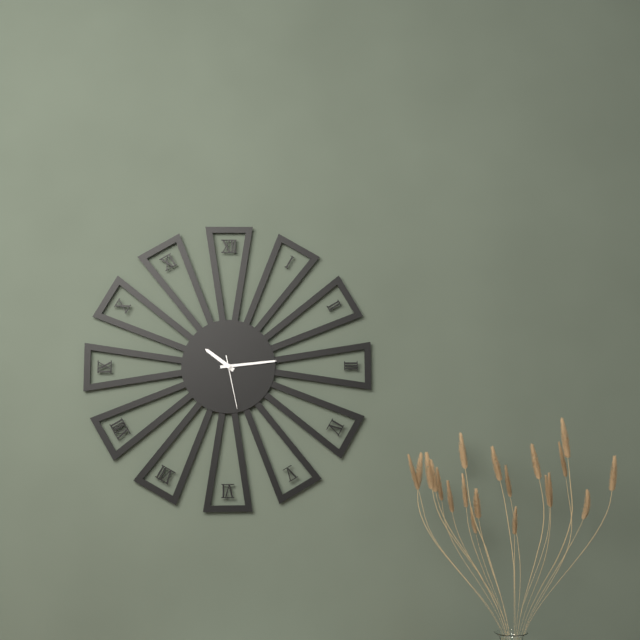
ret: **10:14:28**
